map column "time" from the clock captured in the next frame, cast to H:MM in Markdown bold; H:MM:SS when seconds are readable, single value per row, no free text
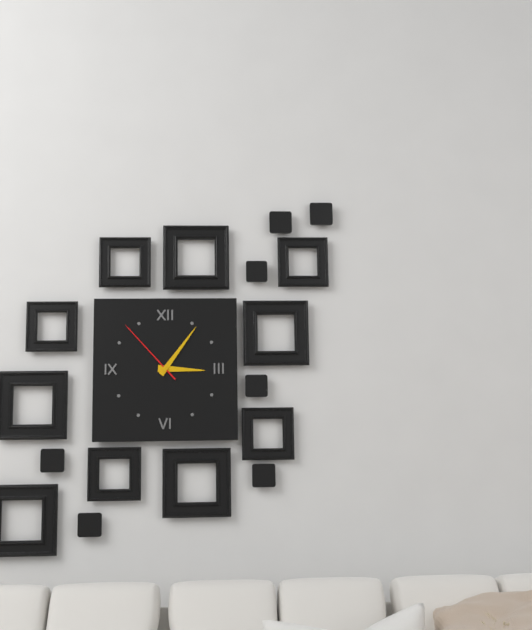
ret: **3:06:53**
